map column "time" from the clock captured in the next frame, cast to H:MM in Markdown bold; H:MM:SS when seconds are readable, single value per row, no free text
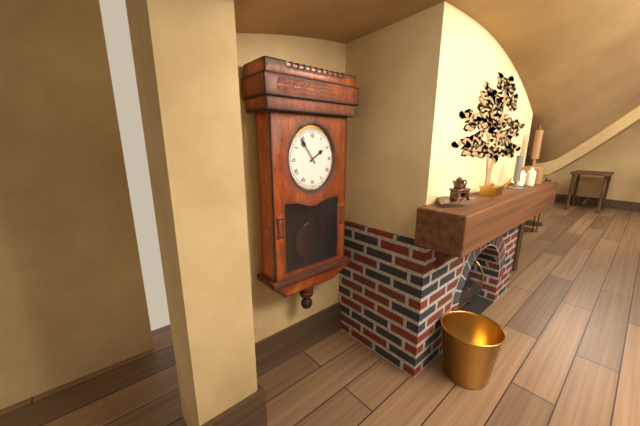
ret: **1:54**
